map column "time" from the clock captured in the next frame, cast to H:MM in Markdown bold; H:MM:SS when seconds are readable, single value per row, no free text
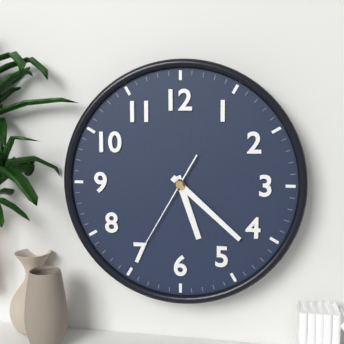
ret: **5:22:35**
